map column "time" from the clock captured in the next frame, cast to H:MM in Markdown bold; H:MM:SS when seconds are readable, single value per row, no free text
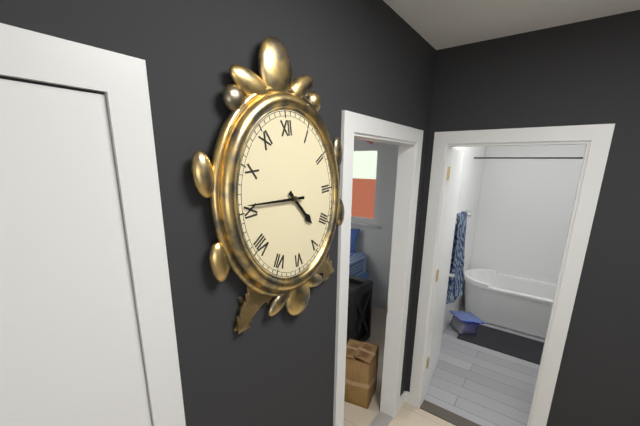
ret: **4:46**
